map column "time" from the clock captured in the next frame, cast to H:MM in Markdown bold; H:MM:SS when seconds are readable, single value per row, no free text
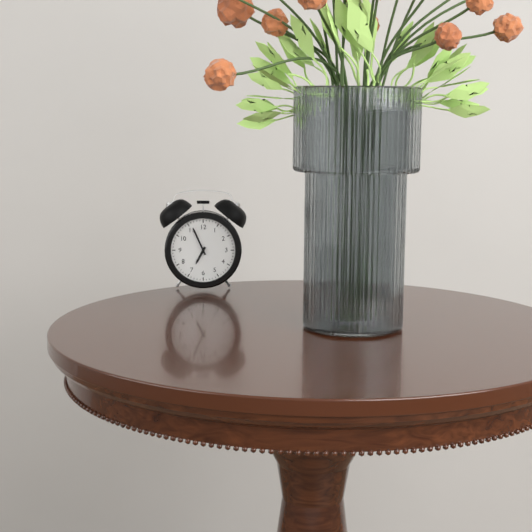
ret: **6:56**
